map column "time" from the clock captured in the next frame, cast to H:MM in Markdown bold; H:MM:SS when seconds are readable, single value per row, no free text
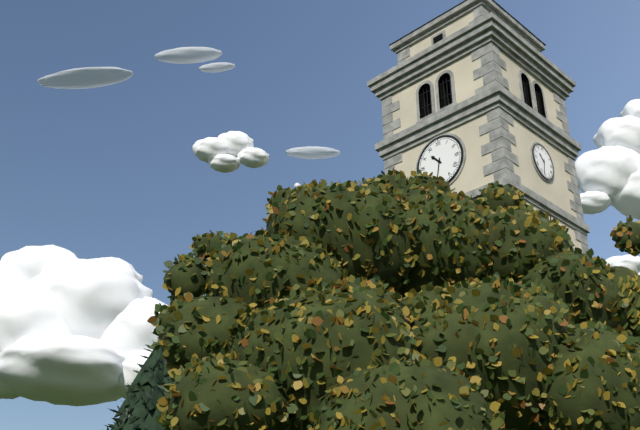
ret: **10:32**
